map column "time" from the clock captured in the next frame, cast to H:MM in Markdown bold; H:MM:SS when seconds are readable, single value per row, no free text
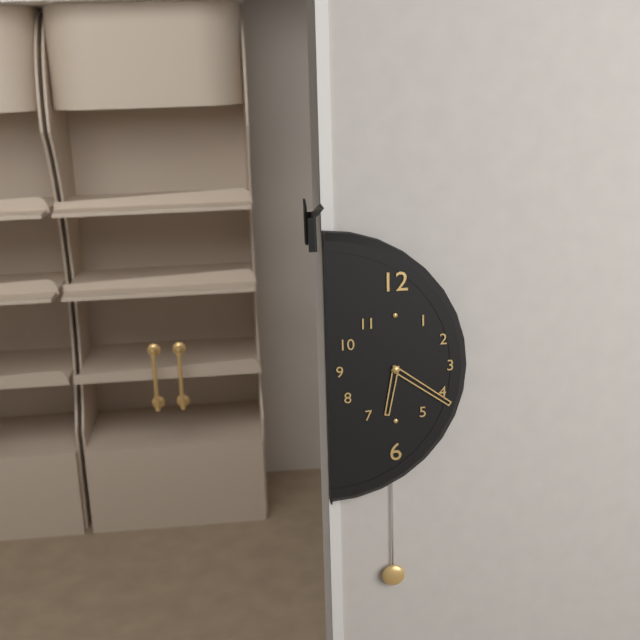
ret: **6:21**
